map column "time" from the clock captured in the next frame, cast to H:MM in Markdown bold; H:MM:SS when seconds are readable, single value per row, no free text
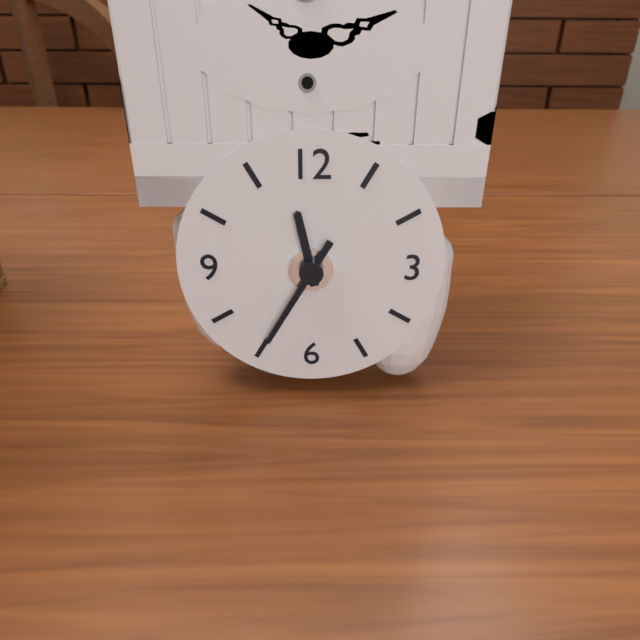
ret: **11:35**
